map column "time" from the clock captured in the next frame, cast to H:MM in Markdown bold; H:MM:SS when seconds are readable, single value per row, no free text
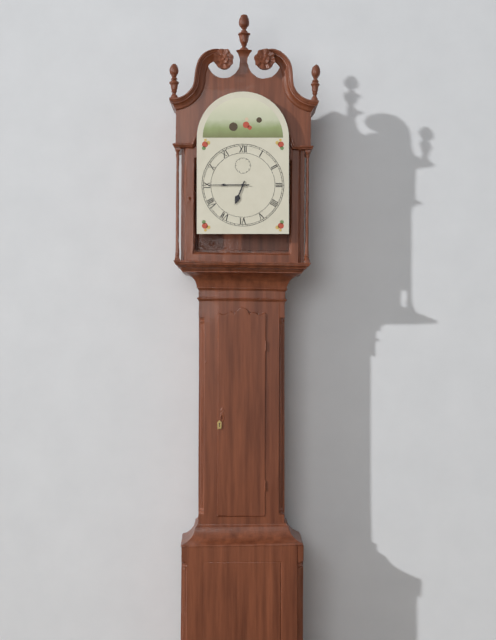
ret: **6:45**
